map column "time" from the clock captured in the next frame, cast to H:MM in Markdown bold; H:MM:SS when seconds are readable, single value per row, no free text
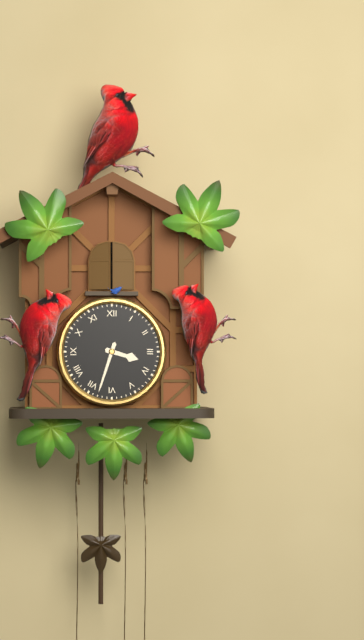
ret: **3:33**
